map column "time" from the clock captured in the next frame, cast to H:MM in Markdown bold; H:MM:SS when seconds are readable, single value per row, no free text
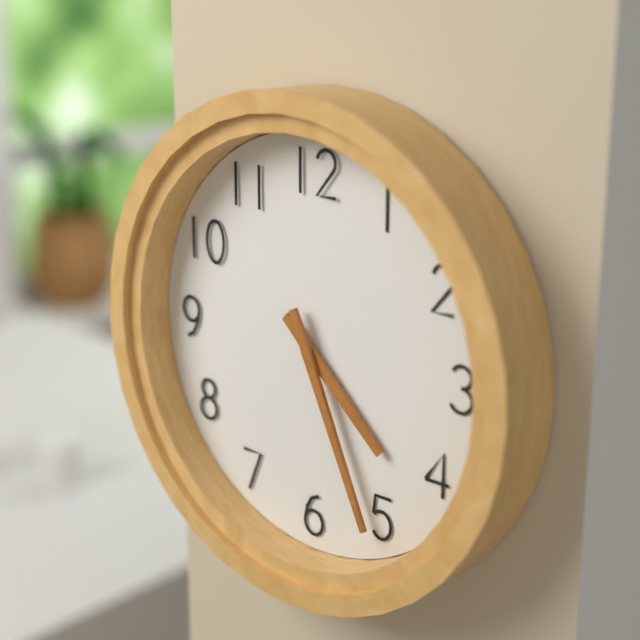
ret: **4:26**
